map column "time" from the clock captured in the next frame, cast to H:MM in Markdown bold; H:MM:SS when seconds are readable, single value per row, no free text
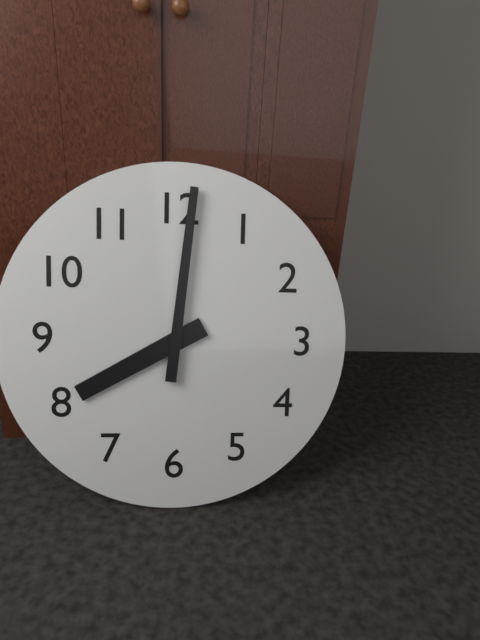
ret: **8:01**
